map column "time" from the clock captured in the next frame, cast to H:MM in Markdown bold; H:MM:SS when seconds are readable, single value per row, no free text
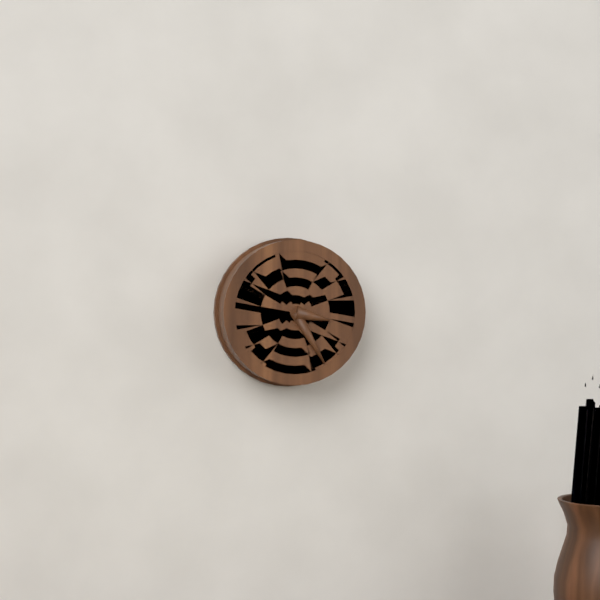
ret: **3:25**
